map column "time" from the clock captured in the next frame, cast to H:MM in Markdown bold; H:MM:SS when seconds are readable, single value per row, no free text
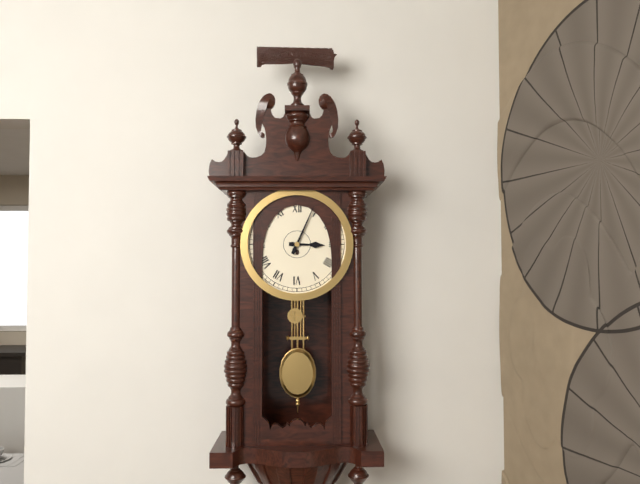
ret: **3:04**
